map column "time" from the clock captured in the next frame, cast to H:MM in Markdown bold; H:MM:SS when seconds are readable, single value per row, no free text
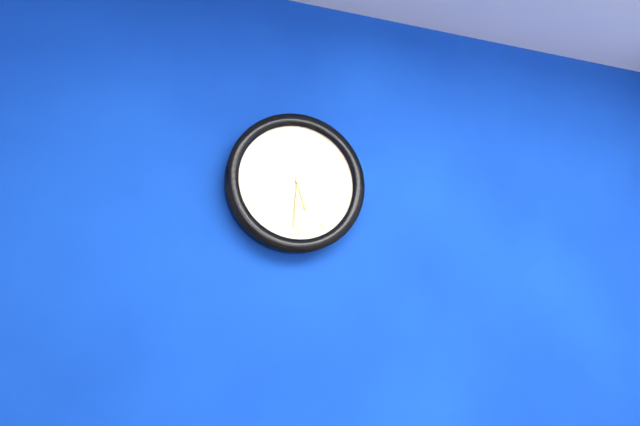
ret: **5:31**
